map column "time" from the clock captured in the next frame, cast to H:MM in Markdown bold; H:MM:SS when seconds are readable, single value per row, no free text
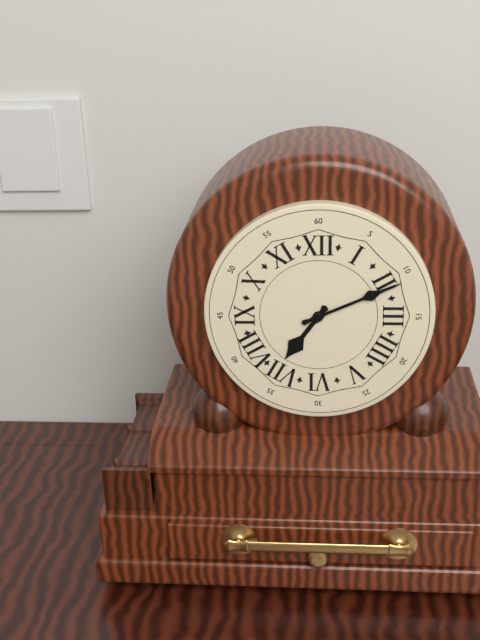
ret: **7:11**
